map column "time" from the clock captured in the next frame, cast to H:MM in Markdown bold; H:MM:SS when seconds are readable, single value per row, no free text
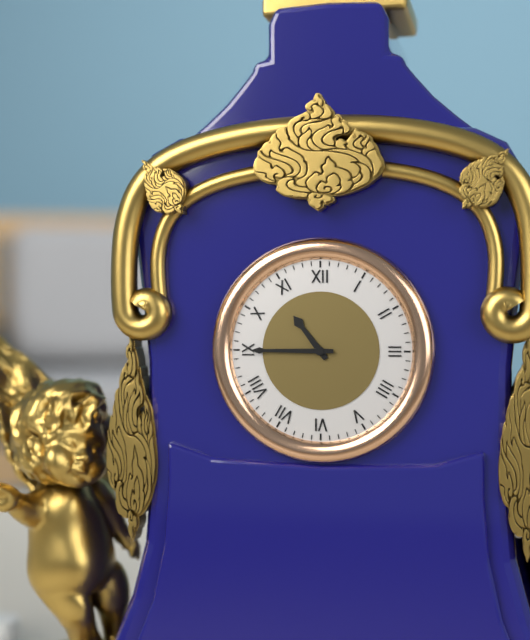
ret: **10:45**
